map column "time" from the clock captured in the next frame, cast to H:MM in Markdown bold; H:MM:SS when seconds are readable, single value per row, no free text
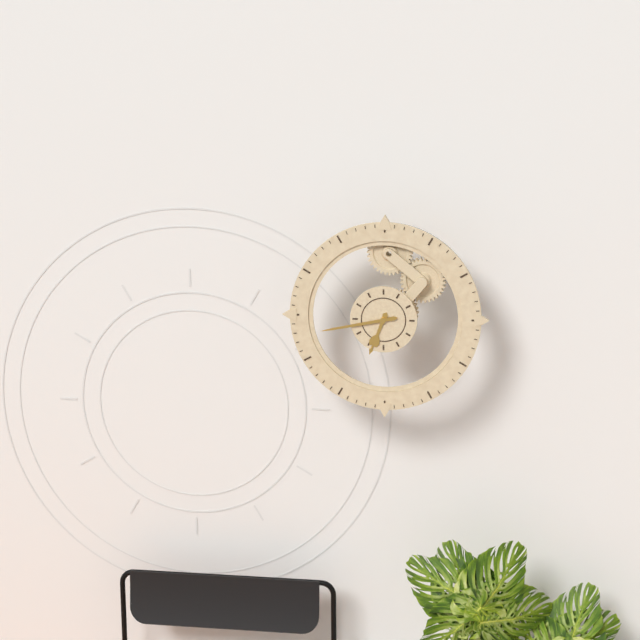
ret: **6:43**
